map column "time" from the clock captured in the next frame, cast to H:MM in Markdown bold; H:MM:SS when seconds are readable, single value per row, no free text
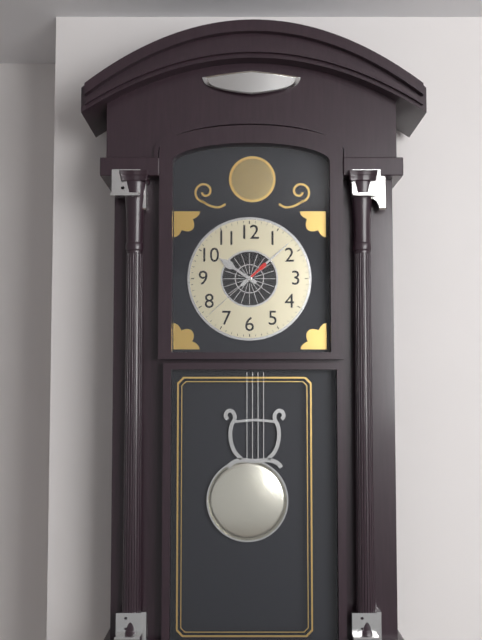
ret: **10:08:38**
